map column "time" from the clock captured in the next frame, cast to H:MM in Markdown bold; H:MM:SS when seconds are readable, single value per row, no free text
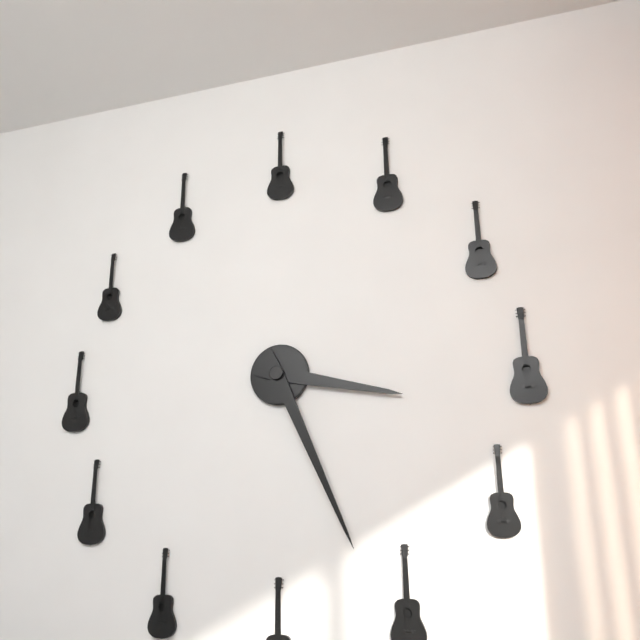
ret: **3:26**
